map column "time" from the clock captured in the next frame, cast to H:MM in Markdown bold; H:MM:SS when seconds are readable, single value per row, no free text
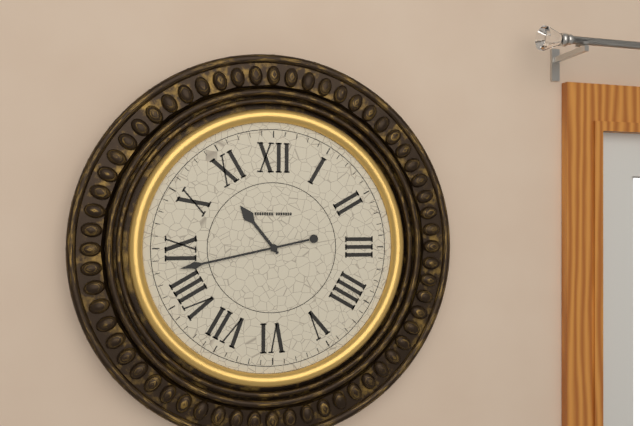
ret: **10:43**
